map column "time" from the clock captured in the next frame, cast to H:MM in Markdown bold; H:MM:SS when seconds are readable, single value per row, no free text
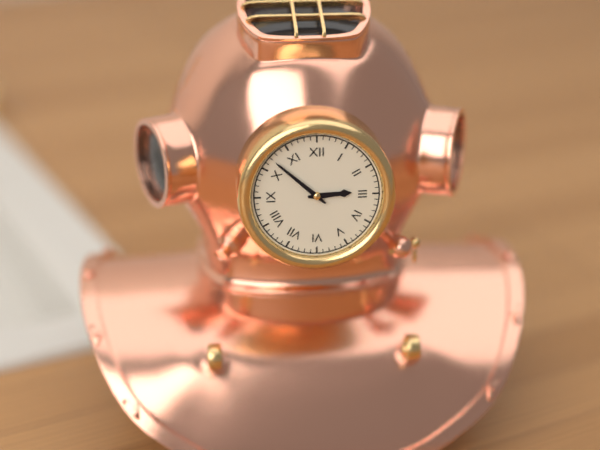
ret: **2:52**
